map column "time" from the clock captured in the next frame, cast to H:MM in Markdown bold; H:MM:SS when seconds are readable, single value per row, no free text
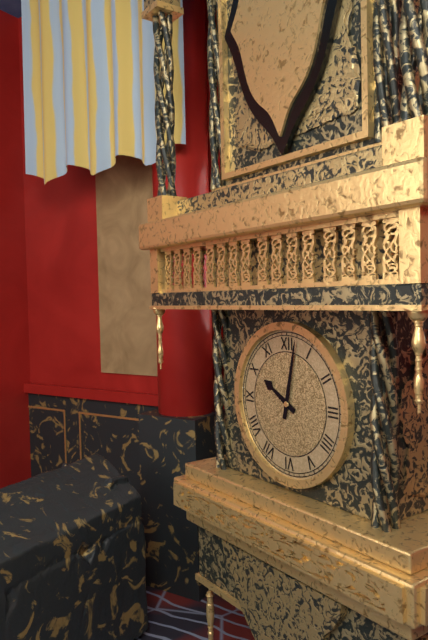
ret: **10:02**
